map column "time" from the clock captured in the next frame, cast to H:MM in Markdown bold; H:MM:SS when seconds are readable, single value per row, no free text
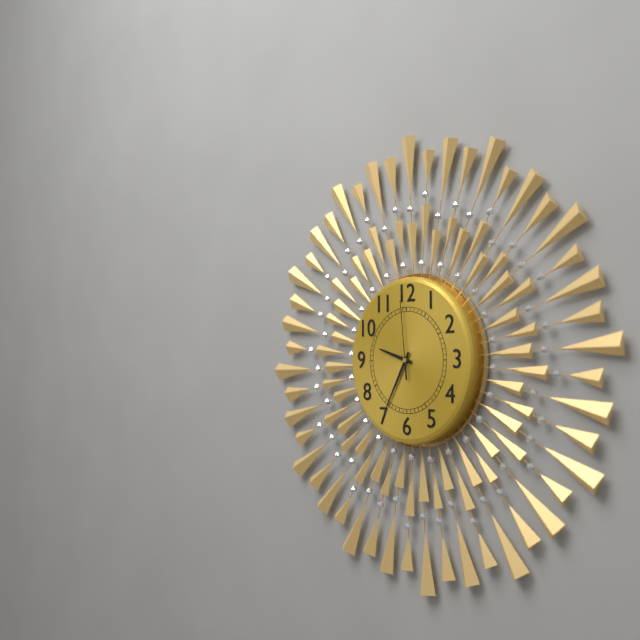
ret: **9:35:59**
